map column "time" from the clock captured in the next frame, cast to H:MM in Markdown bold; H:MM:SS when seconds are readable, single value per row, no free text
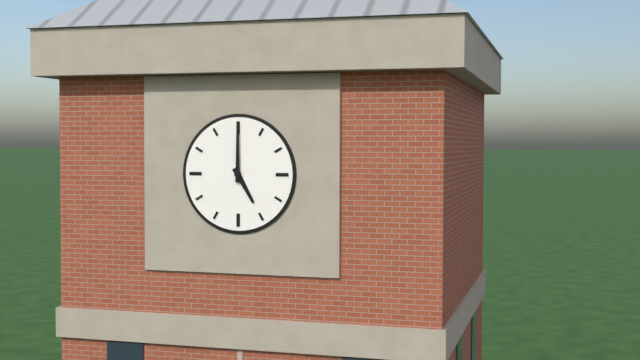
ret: **5:00**
